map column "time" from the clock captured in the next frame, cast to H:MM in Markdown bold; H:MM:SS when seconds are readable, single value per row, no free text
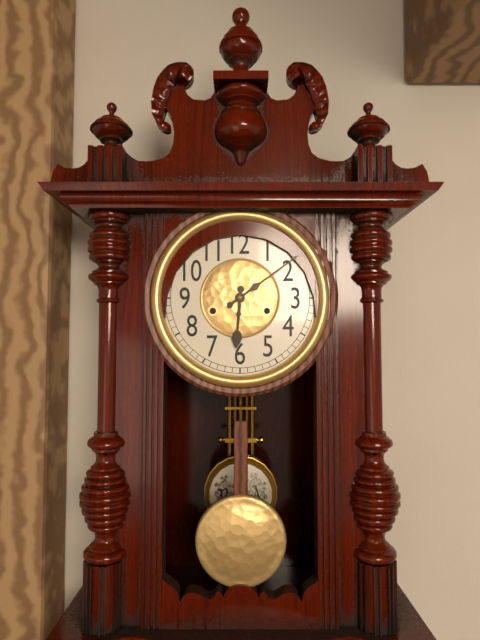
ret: **6:09**
